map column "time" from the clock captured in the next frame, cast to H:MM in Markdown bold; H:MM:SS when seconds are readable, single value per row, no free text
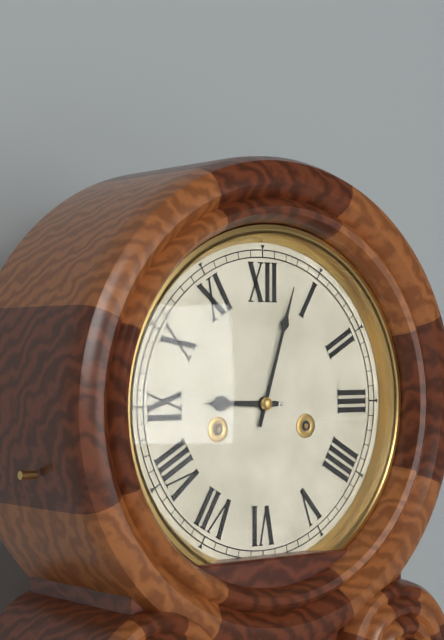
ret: **9:03**
